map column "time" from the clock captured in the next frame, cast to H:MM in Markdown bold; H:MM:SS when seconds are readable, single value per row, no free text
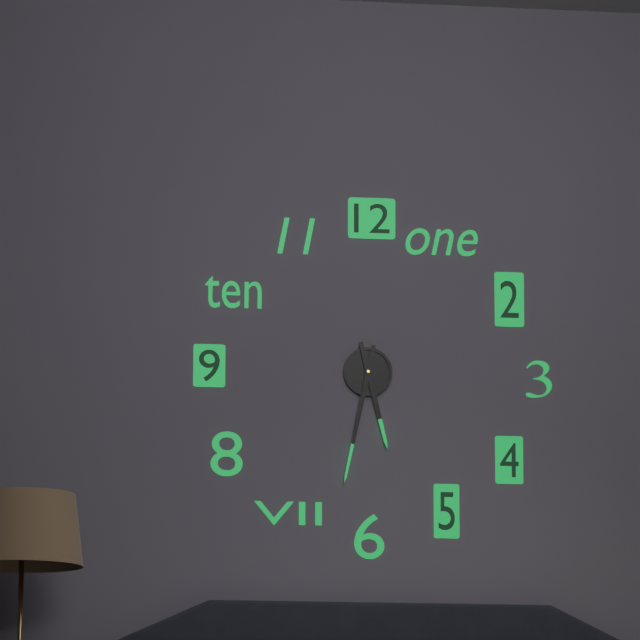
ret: **5:32**
